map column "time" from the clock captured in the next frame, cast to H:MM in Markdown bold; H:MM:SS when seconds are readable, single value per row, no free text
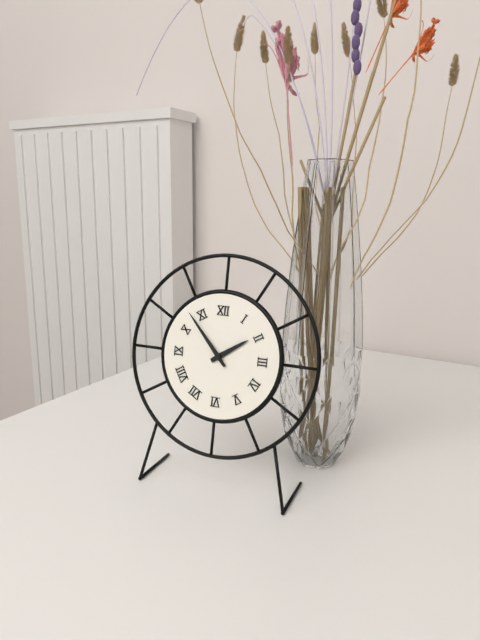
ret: **1:53**
